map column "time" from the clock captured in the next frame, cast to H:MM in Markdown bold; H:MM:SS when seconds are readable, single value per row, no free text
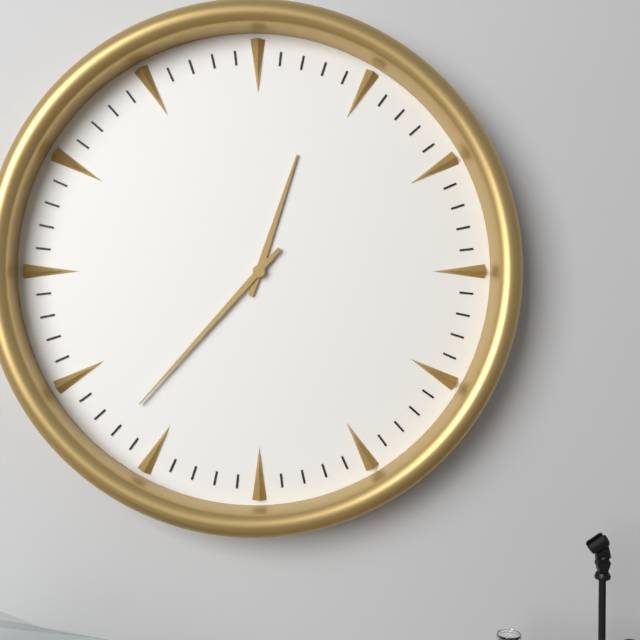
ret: **12:37**
